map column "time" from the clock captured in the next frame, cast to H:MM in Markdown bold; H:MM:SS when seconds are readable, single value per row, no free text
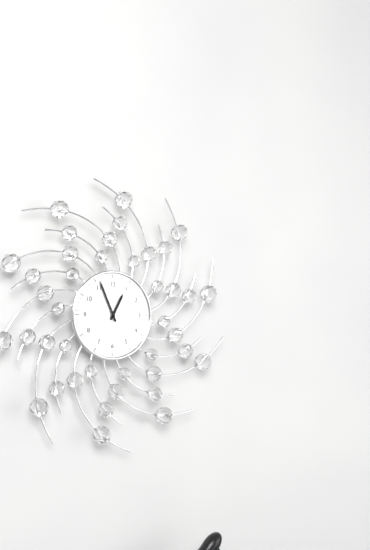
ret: **12:56**
